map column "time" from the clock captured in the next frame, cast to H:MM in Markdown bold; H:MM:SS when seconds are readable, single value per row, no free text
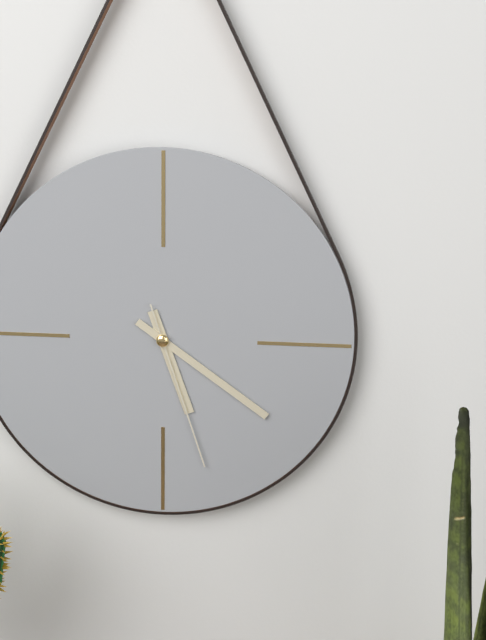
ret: **5:21:27**
